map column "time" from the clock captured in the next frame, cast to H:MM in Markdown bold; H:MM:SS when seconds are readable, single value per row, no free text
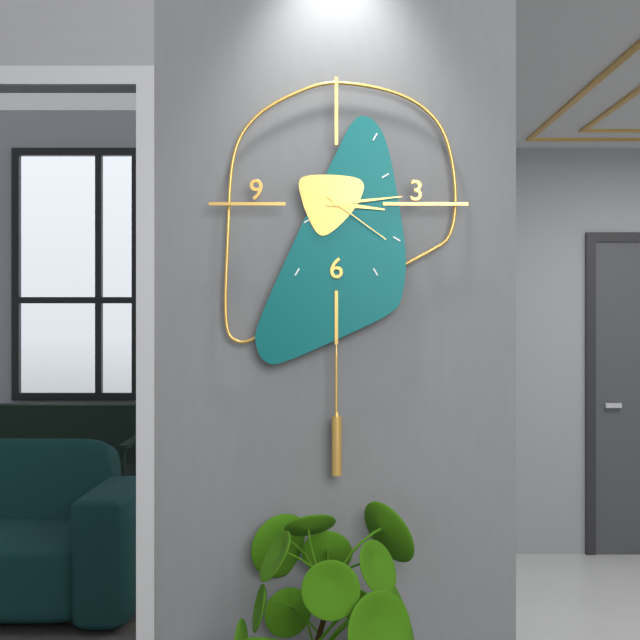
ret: **3:14:21**
